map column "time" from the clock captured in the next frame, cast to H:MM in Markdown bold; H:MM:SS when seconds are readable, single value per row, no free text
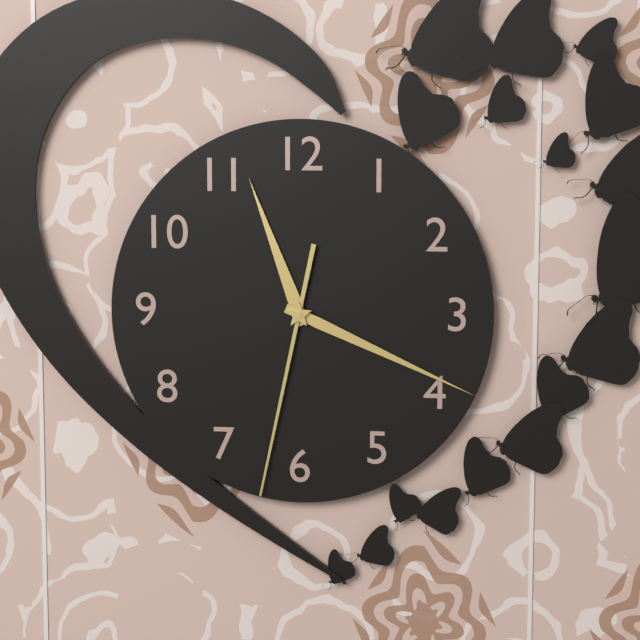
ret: **11:19:32**
